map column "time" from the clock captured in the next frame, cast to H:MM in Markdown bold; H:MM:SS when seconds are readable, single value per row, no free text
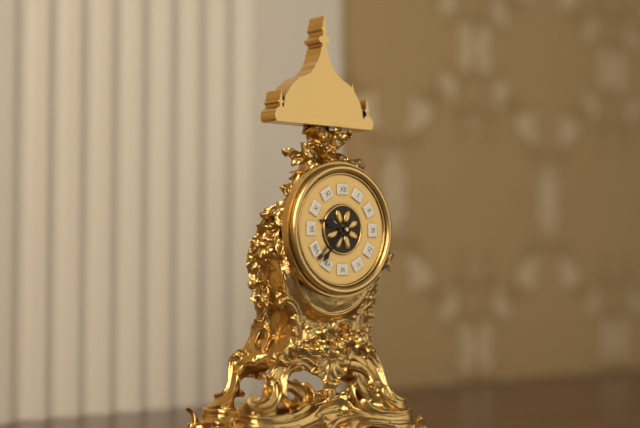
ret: **9:37**
